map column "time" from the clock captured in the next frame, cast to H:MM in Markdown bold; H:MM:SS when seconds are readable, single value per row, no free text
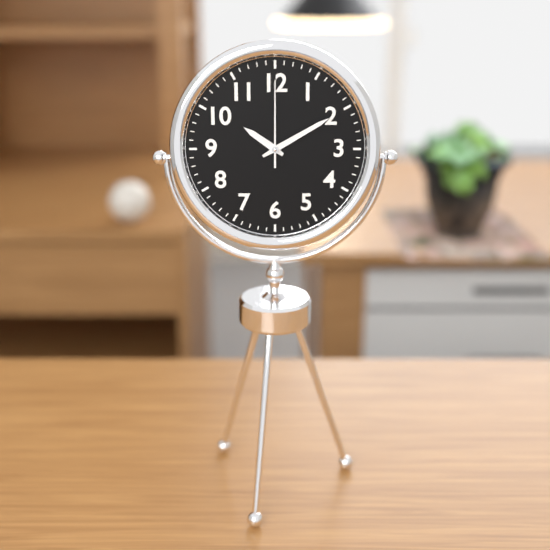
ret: **10:10:00**
